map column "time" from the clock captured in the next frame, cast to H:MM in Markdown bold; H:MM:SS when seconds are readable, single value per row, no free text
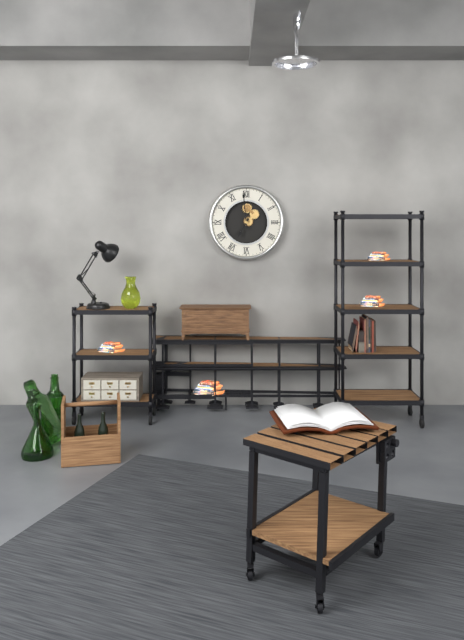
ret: **6:59**
